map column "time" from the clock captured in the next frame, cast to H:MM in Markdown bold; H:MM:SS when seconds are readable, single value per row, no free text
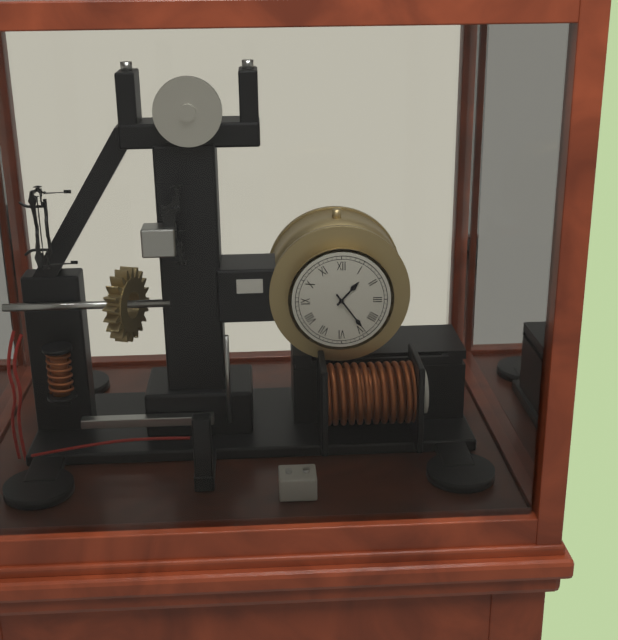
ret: **1:24**
